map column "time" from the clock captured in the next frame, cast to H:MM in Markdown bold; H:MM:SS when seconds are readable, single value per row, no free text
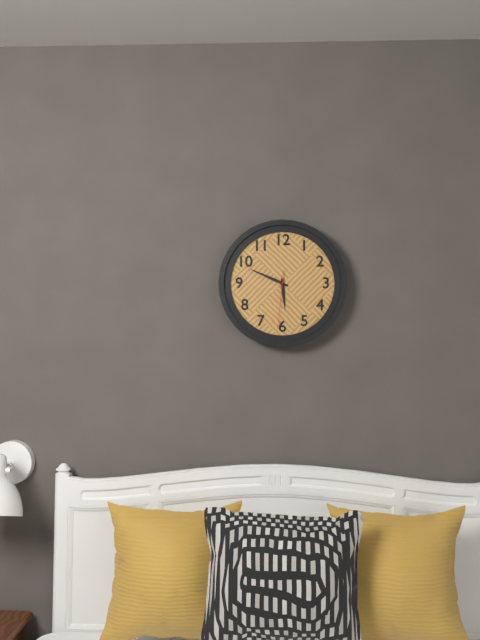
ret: **5:49:31**
